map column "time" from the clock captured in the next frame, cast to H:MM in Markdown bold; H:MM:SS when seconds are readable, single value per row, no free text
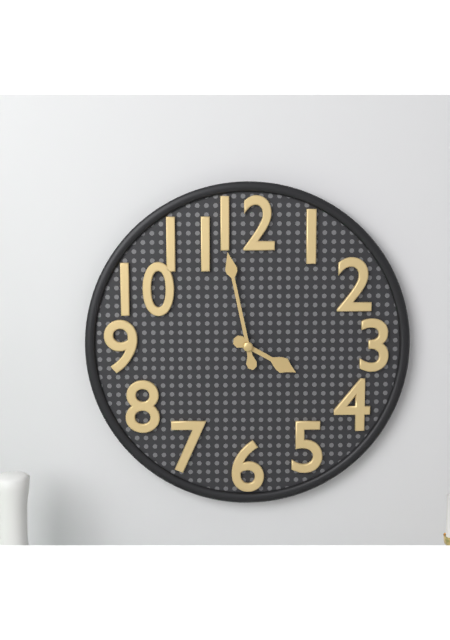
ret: **3:58**
